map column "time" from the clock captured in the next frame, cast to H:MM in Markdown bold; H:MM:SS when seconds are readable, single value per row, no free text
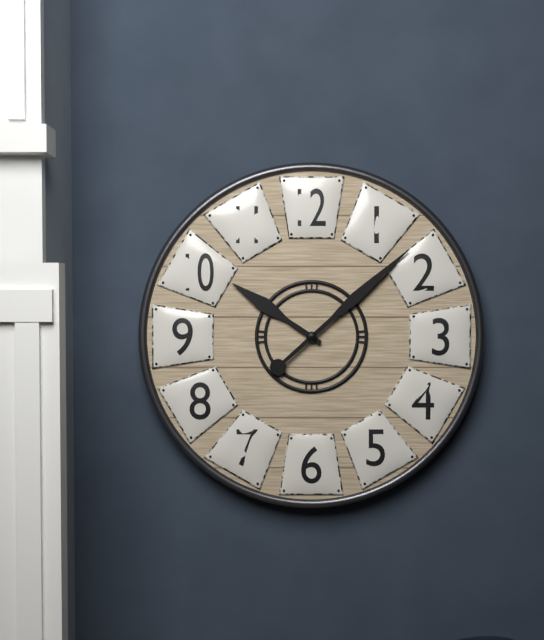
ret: **10:08**
